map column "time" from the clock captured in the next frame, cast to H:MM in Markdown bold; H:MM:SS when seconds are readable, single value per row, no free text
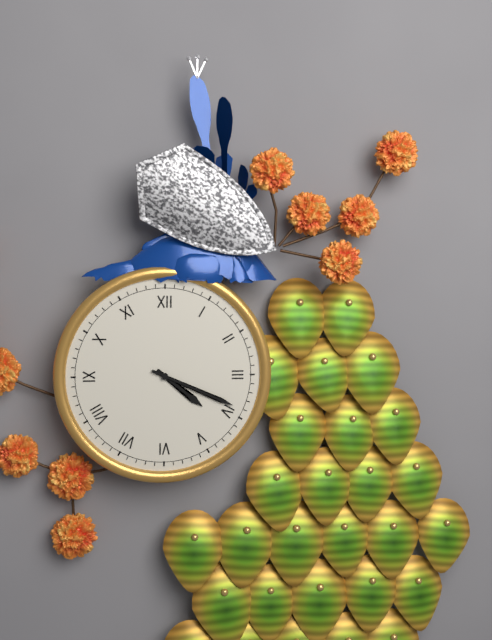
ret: **4:19**
